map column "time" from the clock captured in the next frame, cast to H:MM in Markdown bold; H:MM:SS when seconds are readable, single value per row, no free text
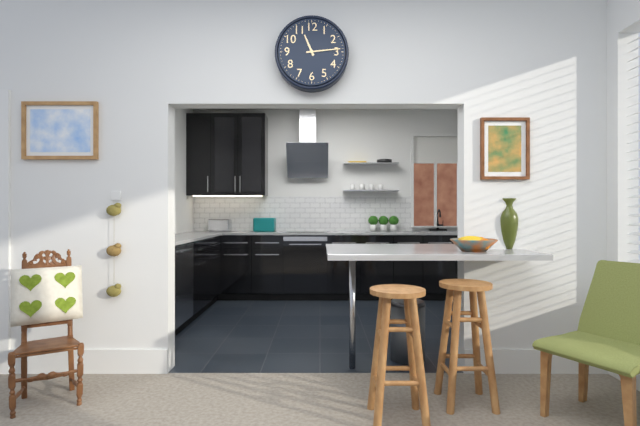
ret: **11:14**
